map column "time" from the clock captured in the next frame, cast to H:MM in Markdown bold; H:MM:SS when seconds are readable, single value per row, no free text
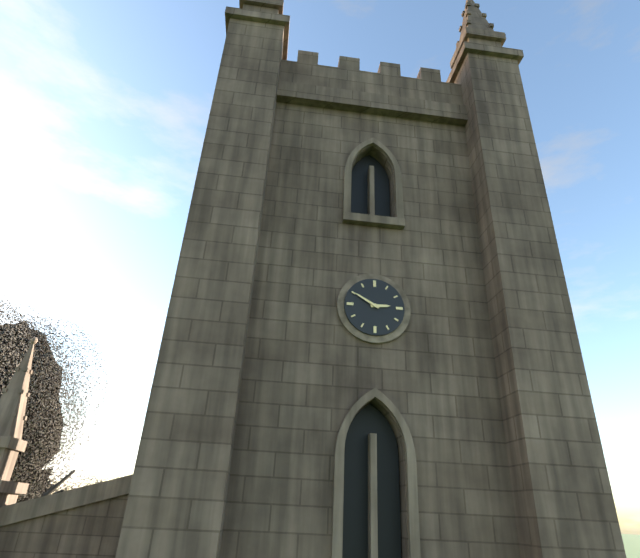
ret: **2:50**
